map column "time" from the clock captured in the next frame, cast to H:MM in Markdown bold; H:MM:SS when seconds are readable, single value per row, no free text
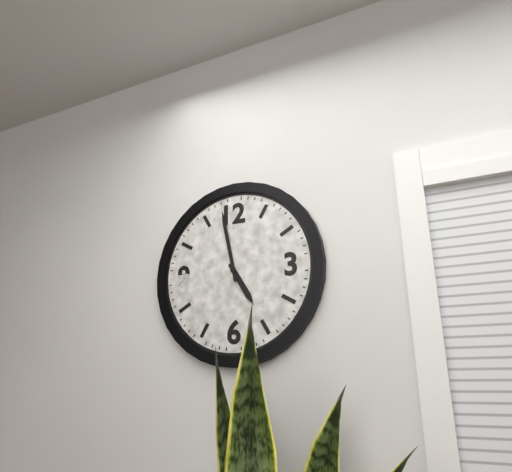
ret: **4:58**
